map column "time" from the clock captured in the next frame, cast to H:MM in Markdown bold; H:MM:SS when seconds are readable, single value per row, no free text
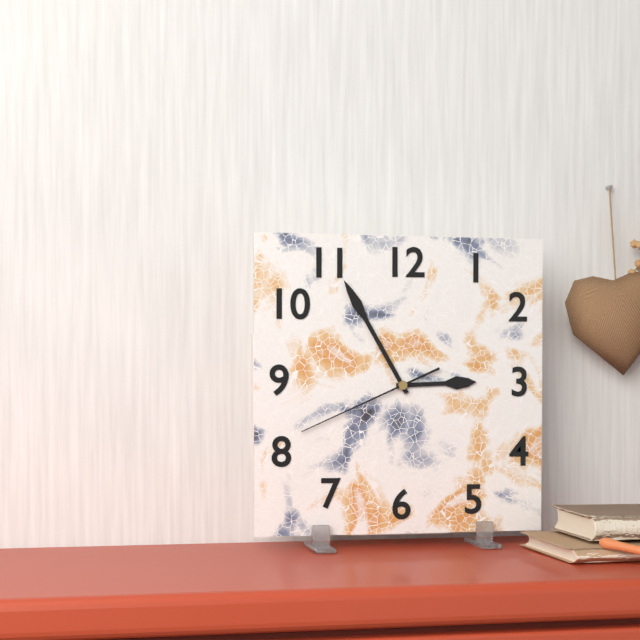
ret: **2:55:41**
